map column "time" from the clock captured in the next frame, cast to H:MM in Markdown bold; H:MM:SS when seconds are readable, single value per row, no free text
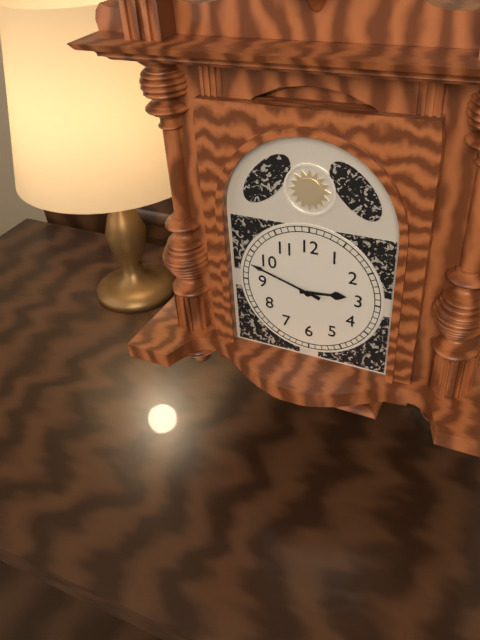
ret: **2:48**
